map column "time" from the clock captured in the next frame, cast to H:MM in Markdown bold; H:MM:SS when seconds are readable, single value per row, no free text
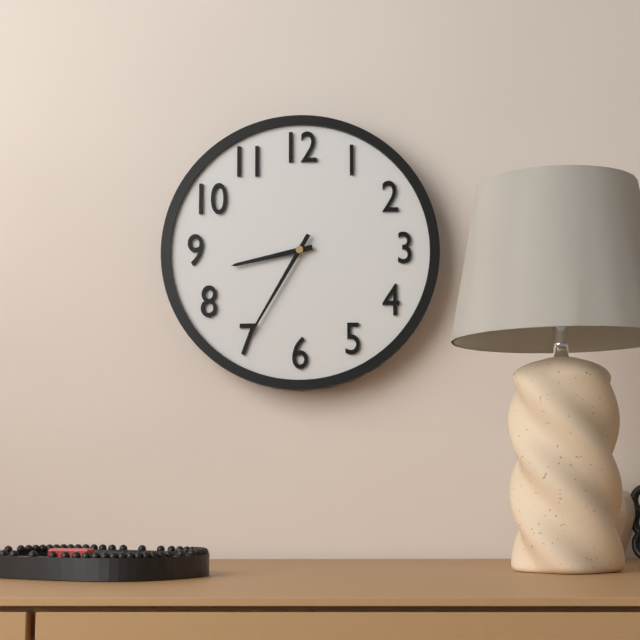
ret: **8:35**
